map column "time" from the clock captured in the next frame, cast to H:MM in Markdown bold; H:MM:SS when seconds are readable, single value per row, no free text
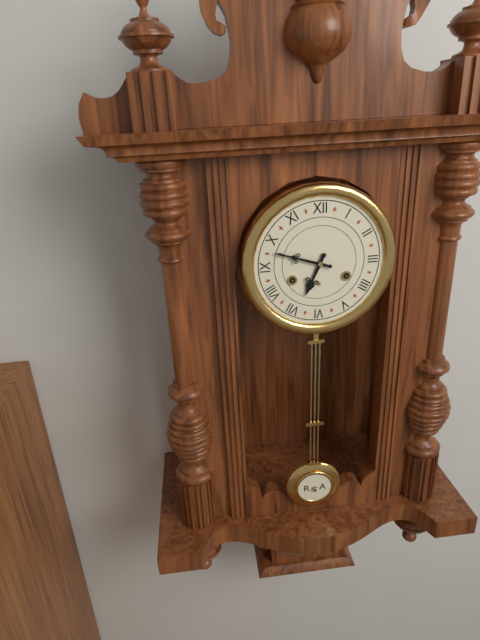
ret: **6:48**
